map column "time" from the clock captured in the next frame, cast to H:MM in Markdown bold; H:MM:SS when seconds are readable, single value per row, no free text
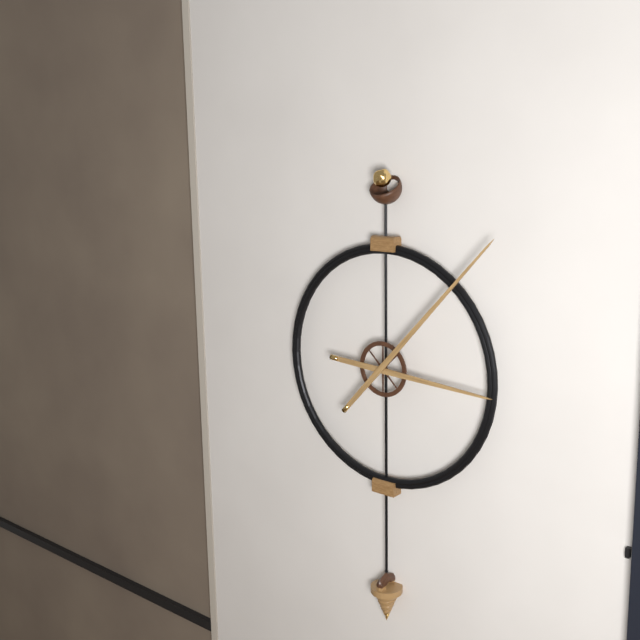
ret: **3:07**
